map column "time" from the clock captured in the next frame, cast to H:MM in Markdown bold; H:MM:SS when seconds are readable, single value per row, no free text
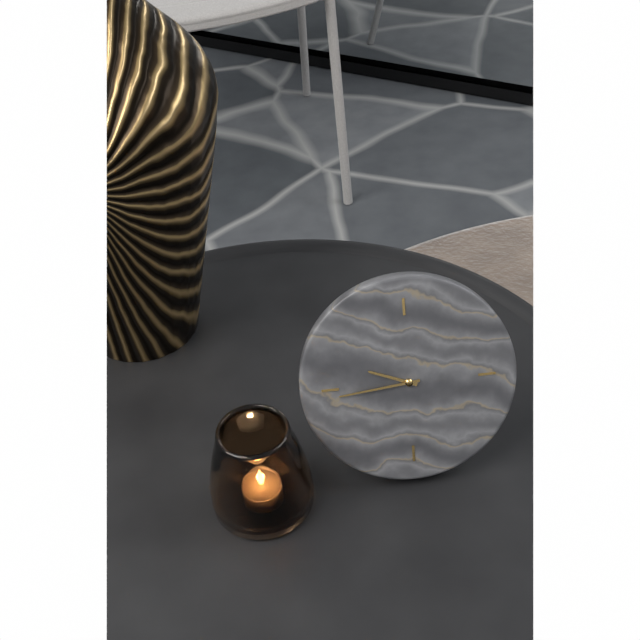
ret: **9:44**
